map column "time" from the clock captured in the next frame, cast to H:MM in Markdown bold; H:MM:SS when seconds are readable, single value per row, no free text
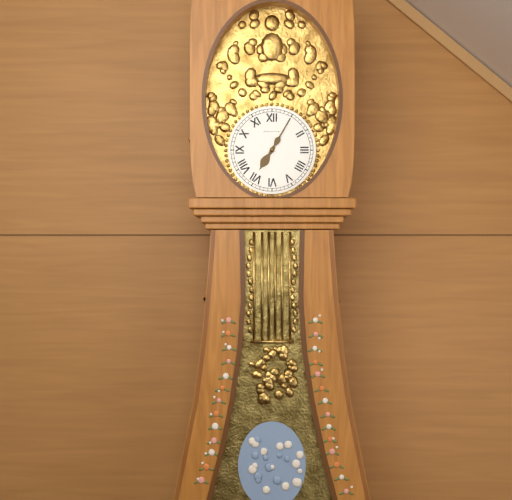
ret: **7:05**
